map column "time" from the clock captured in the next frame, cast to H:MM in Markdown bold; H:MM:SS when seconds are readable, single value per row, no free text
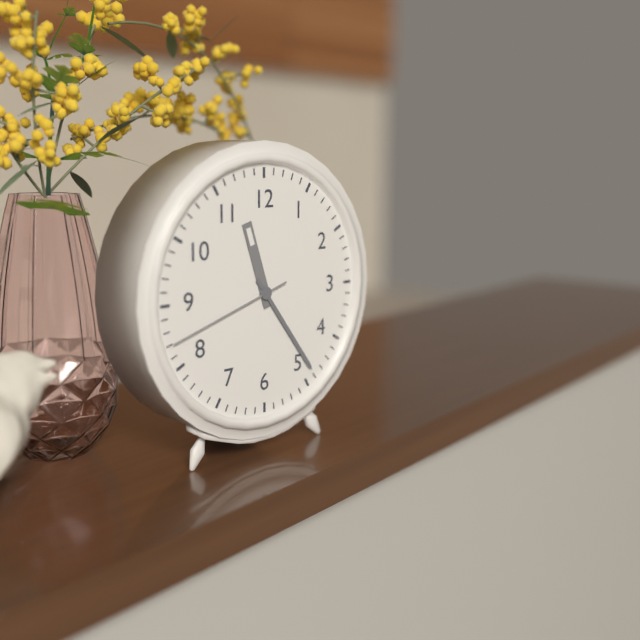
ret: **11:24:42**
